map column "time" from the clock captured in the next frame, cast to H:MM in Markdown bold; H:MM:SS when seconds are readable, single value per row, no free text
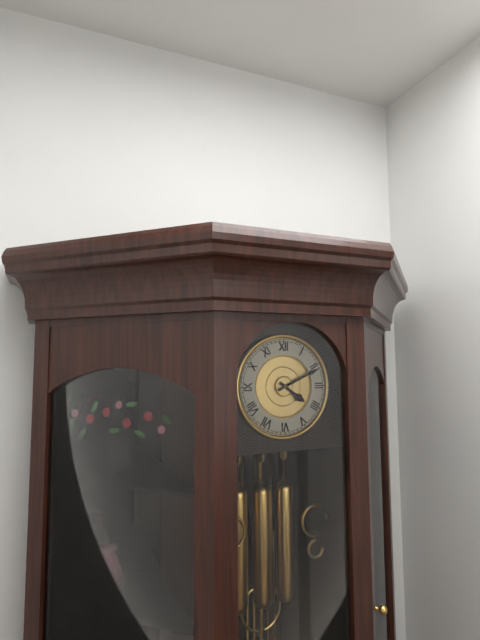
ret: **4:11**
